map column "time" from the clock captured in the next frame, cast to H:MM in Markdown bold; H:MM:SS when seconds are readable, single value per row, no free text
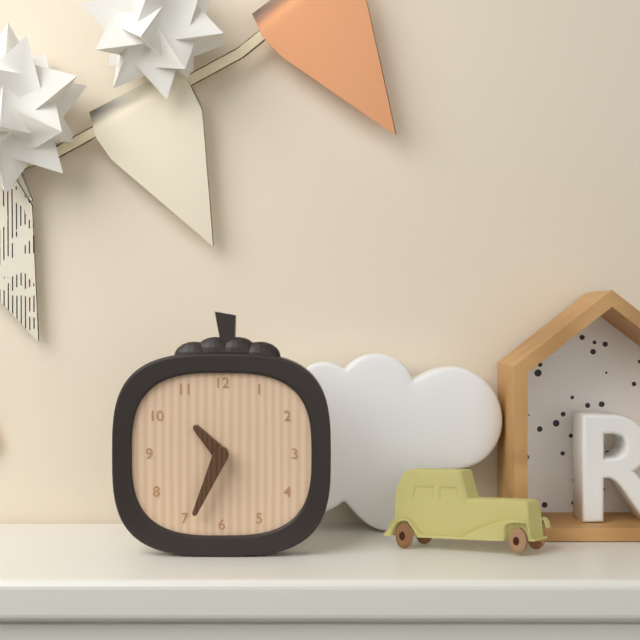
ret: **10:34**
